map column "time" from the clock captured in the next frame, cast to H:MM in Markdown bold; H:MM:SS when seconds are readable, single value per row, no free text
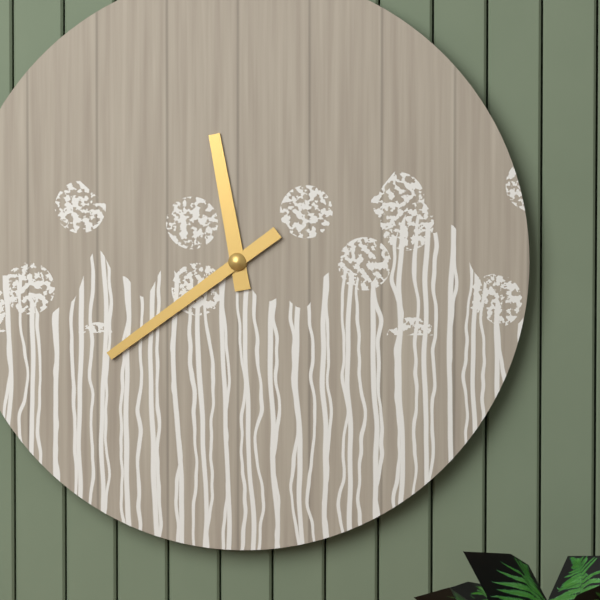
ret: **11:39**
